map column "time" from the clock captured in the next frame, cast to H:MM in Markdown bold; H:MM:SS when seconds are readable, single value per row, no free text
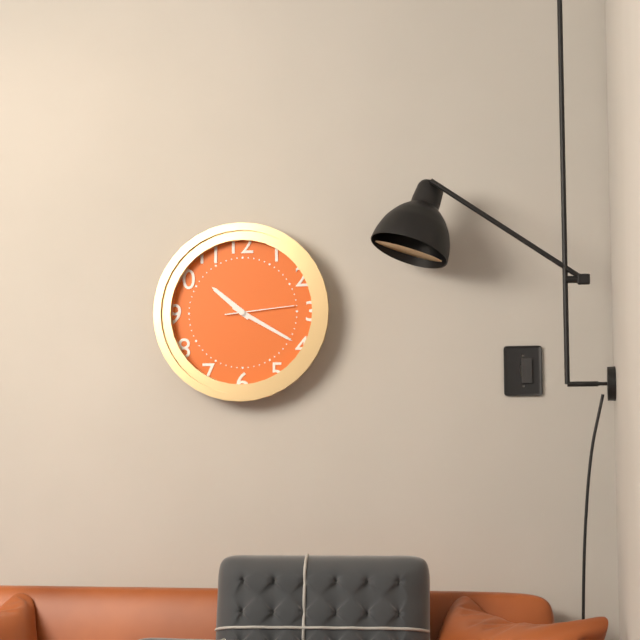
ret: **10:20:14**
